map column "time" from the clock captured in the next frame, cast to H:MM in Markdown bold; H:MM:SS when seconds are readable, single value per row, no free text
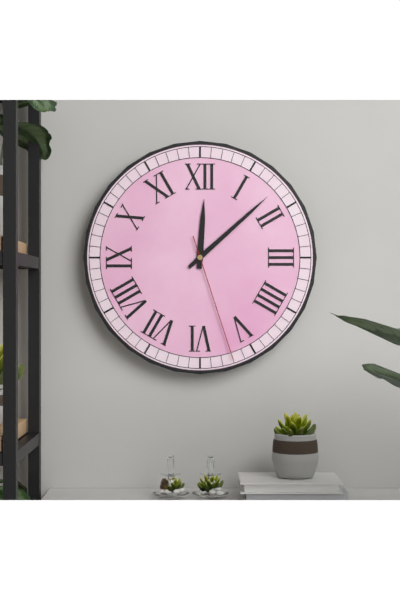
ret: **12:08:27**
